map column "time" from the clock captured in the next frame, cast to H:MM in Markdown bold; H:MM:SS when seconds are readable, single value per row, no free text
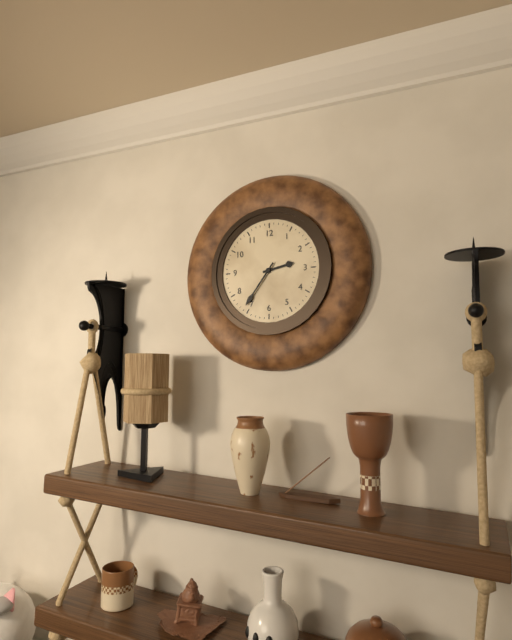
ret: **2:36**
